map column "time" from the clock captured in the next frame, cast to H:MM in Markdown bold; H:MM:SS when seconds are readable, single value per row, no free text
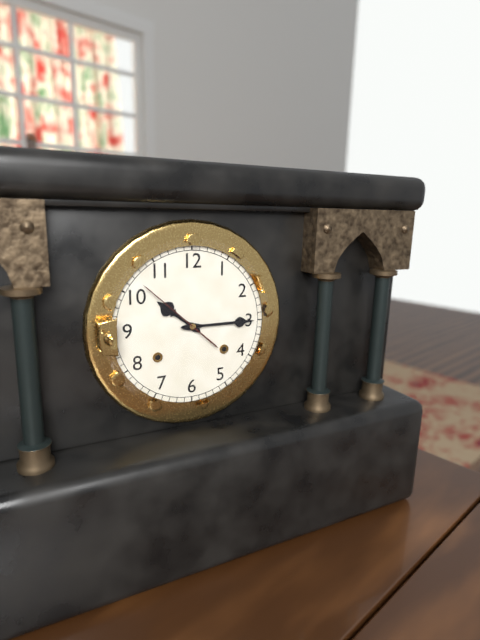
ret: **10:15:52**
